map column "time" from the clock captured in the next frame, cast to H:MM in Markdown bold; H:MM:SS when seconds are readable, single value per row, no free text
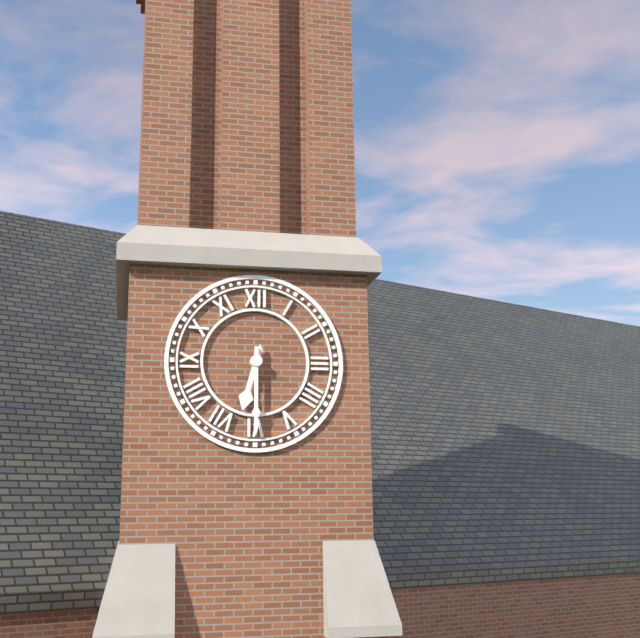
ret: **6:30**
